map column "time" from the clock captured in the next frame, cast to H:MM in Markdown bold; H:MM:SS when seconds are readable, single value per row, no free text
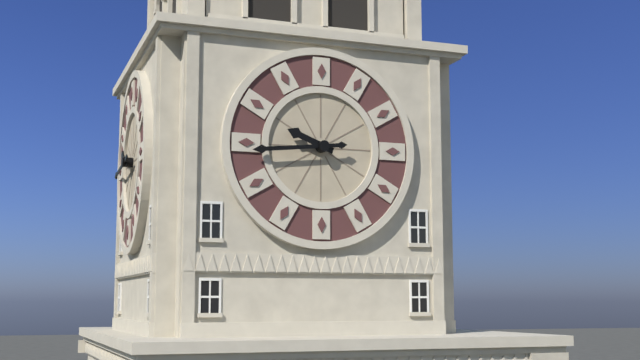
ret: **9:44**
